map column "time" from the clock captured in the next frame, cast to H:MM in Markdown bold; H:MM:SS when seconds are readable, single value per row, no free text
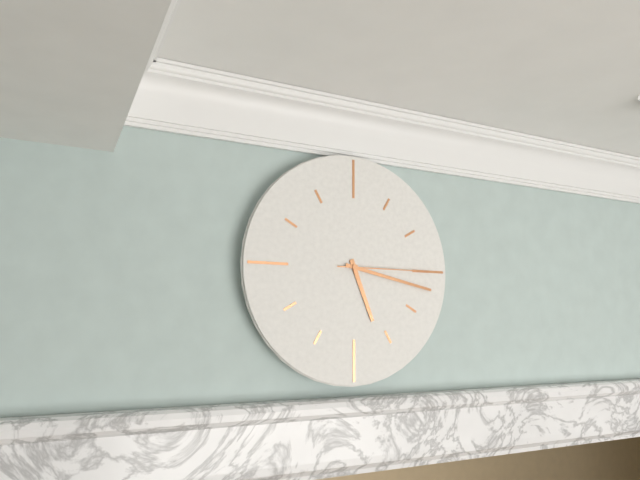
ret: **5:17:15**
